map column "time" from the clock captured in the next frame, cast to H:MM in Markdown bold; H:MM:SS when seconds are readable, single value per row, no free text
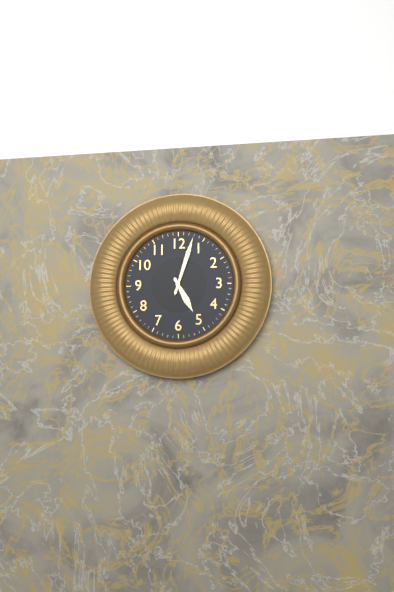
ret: **5:03**
